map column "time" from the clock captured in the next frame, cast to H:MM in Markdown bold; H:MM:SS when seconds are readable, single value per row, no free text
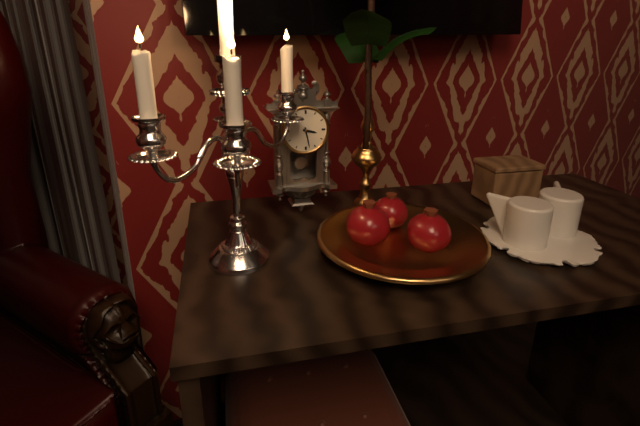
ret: **3:28**
